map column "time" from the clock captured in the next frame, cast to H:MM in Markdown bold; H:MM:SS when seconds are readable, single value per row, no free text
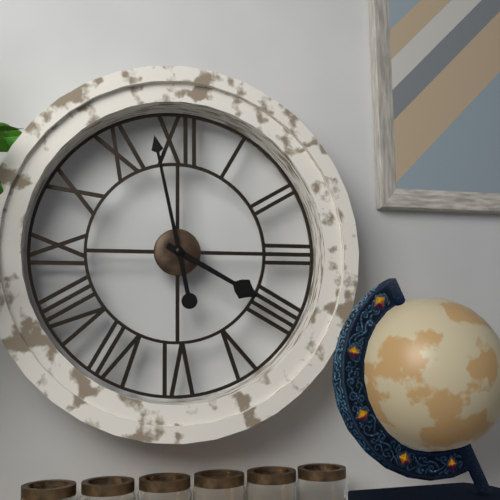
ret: **3:58**
